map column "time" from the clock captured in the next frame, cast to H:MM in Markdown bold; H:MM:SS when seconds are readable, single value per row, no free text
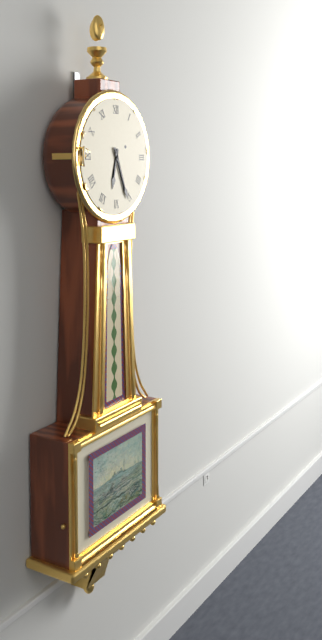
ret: **6:26**
